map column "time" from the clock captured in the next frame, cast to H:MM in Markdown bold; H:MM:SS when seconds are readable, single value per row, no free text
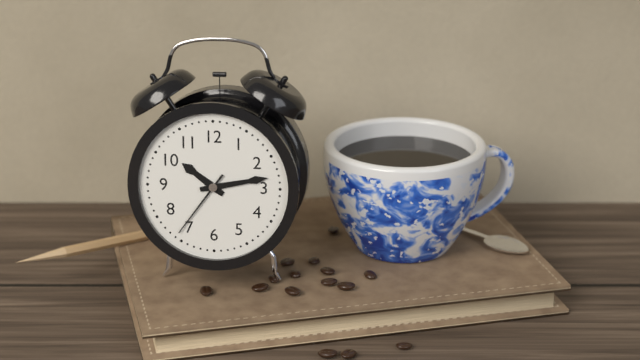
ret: **10:13:36**
